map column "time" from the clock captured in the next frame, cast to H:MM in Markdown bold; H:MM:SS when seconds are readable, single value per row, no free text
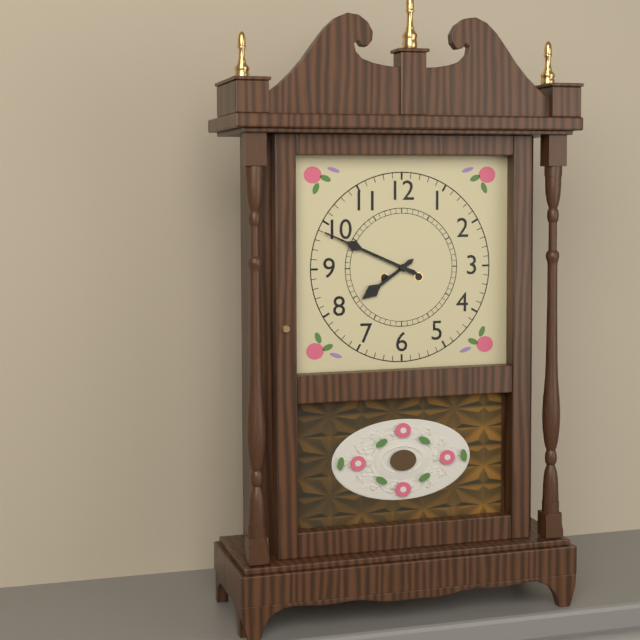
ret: **7:49**
